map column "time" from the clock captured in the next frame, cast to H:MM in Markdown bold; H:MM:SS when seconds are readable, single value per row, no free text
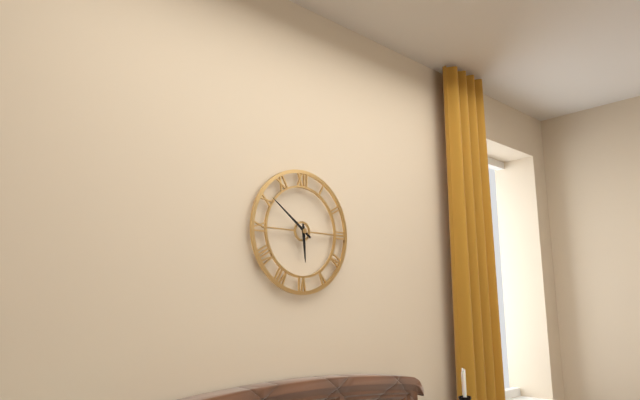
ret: **5:51**
